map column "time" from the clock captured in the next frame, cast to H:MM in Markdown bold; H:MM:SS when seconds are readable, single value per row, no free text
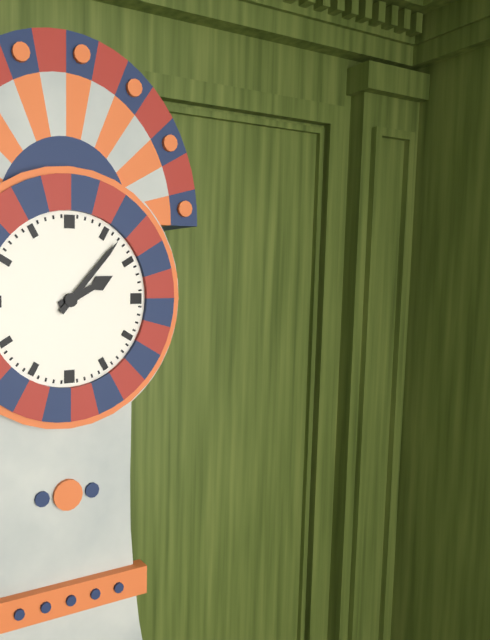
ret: **2:07**
